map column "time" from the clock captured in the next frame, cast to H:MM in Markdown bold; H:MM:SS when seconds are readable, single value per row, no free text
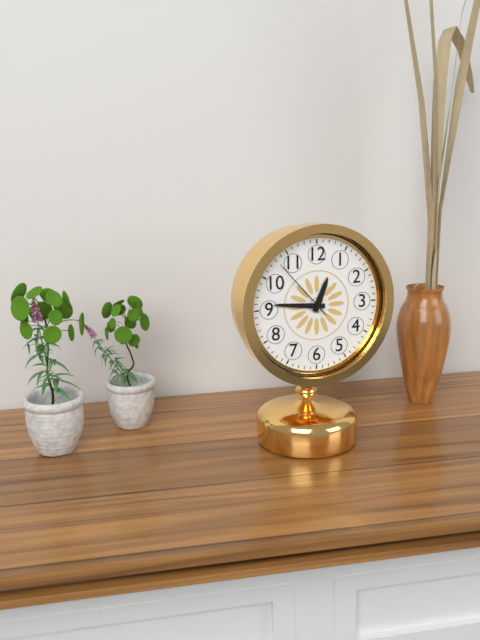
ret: **12:46:53**
